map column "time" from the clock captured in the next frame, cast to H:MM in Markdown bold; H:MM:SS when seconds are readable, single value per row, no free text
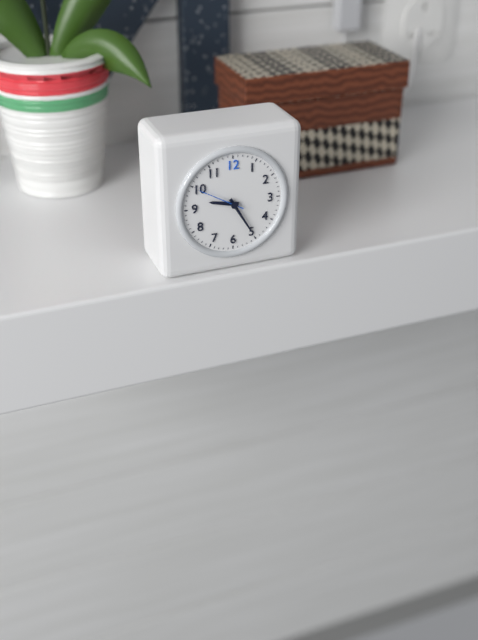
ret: **9:25**
